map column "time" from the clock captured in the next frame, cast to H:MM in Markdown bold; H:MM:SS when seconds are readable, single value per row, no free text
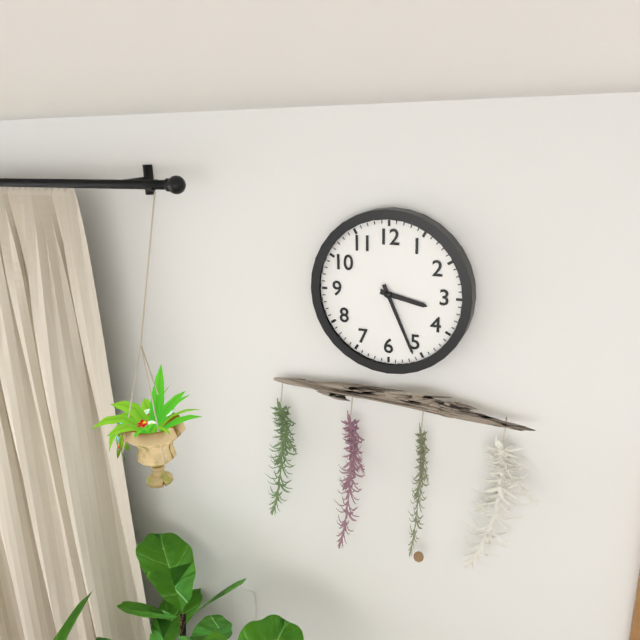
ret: **3:26**
